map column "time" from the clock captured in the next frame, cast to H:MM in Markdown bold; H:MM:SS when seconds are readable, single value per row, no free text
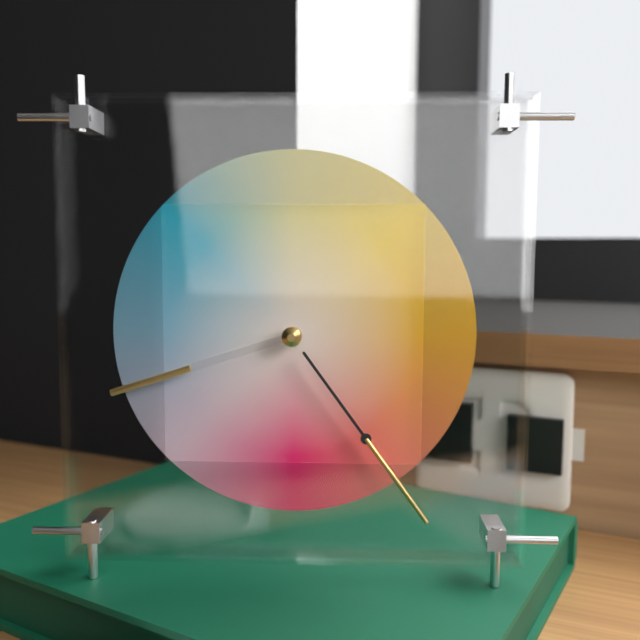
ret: **8:24**
